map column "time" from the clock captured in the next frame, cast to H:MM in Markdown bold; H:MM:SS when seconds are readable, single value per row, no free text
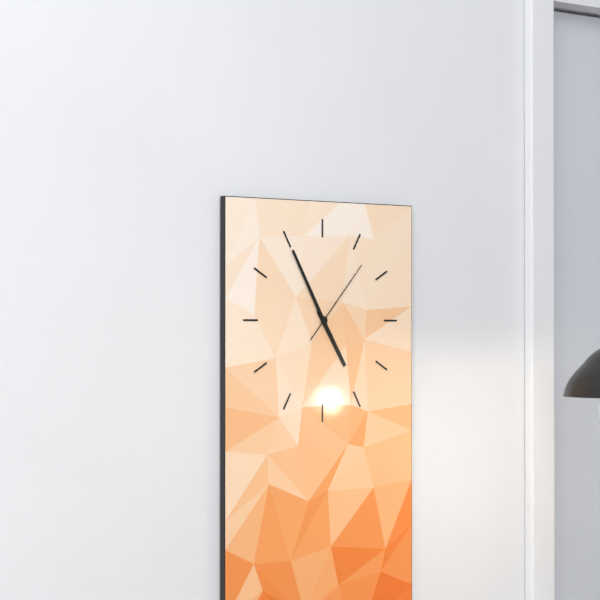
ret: **4:55:07**
